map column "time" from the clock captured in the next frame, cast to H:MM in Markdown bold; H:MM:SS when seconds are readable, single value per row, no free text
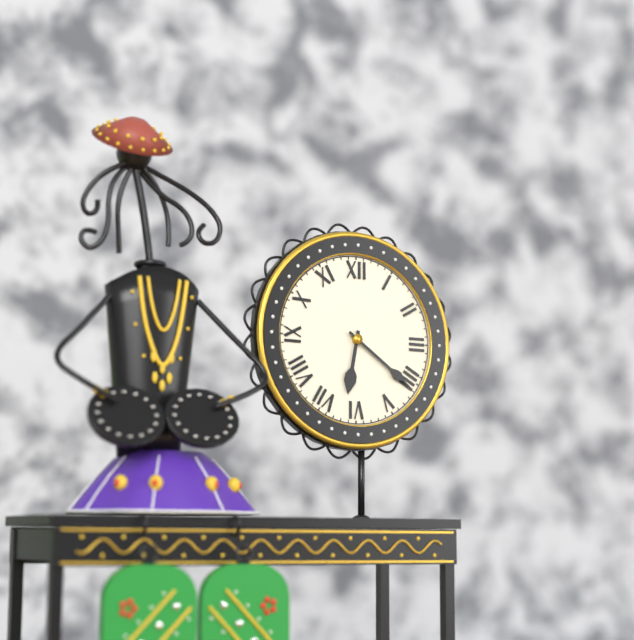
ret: **6:21**
